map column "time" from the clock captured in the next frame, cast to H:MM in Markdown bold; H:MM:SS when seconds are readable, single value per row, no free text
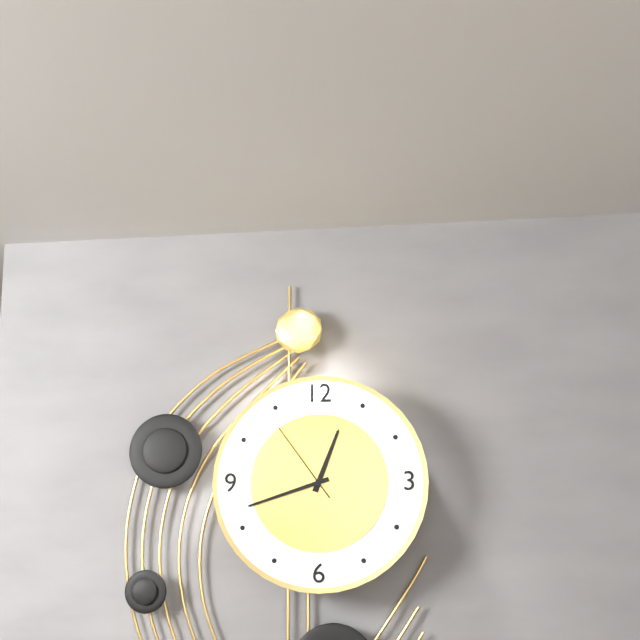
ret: **12:42:54**
